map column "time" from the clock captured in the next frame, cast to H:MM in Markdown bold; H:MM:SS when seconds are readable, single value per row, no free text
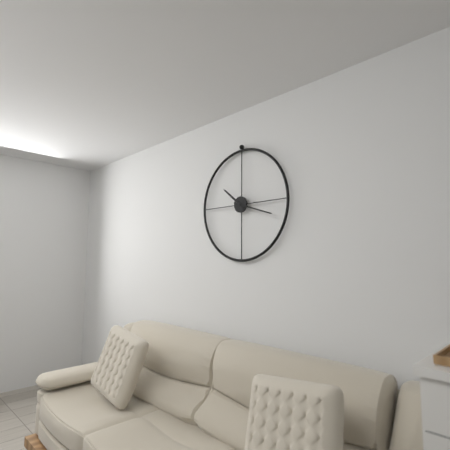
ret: **10:18**
